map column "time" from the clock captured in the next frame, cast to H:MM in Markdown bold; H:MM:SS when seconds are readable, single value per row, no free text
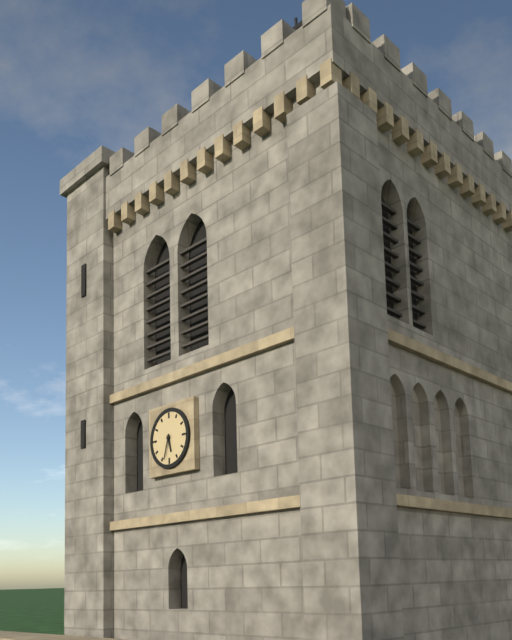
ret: **5:33**
